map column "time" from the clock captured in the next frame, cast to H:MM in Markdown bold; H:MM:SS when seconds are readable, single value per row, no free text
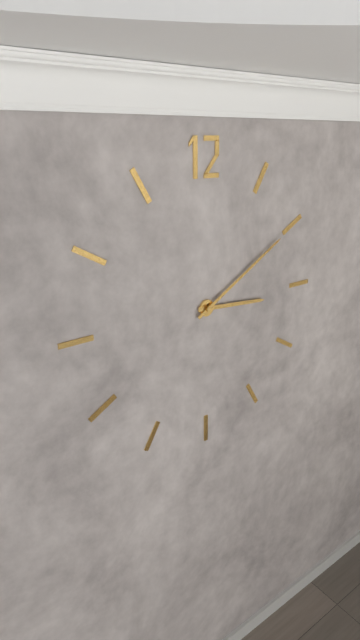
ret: **3:10**
